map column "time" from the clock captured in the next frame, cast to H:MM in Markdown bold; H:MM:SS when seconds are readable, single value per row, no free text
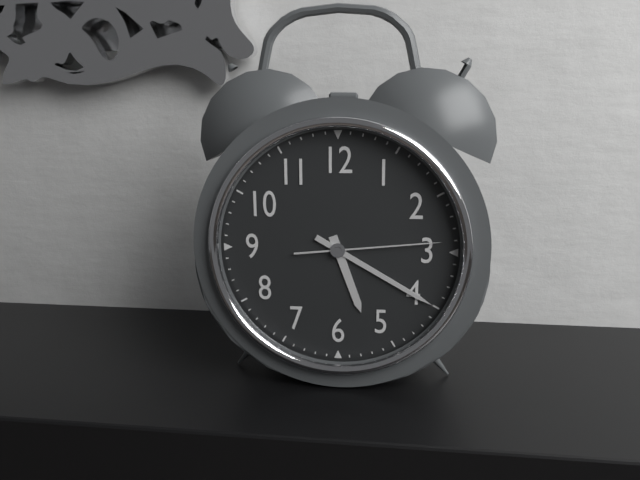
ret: **5:20:14**
